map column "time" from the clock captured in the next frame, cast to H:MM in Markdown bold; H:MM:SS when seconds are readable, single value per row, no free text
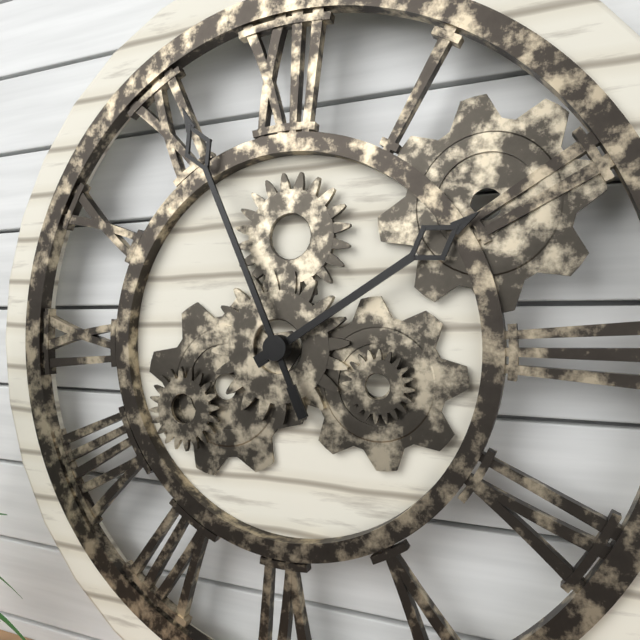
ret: **1:56**
